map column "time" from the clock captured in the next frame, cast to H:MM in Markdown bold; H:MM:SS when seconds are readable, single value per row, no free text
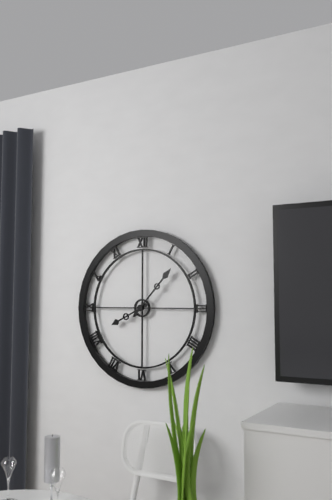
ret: **8:07**
